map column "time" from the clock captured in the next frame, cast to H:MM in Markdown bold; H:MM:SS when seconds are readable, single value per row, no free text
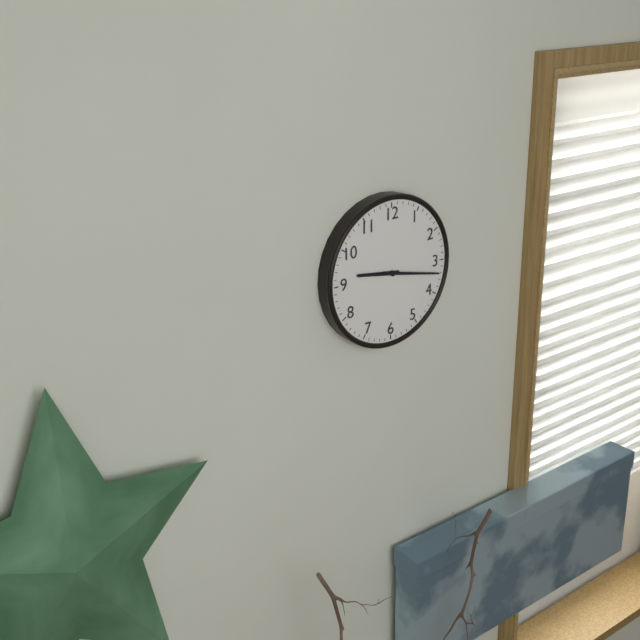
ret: **9:17**
